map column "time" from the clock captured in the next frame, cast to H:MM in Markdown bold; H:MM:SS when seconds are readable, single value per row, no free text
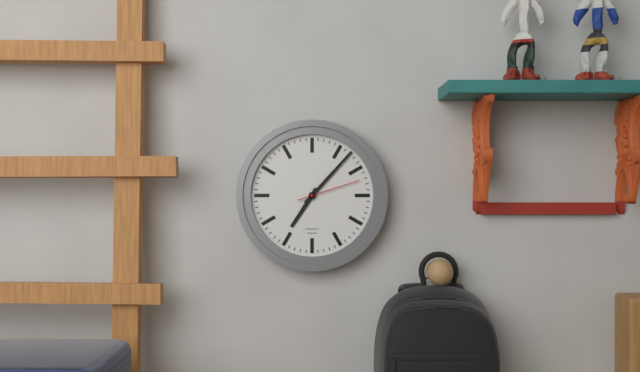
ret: **7:07:12**
